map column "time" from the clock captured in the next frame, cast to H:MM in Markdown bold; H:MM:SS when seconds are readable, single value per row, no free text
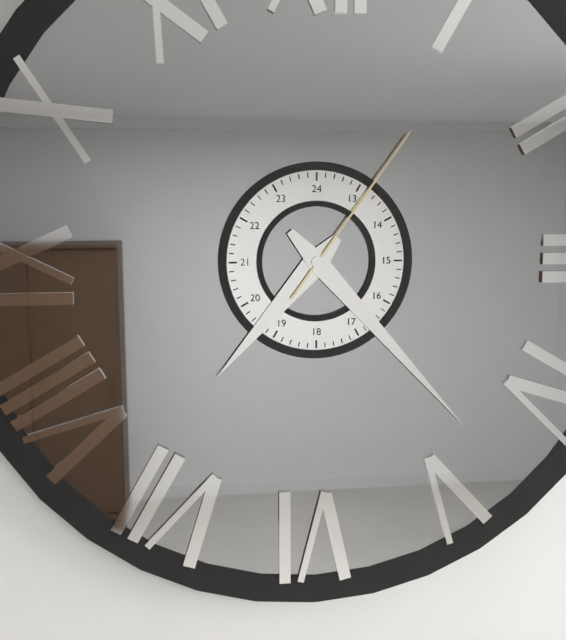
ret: **7:23:06**
